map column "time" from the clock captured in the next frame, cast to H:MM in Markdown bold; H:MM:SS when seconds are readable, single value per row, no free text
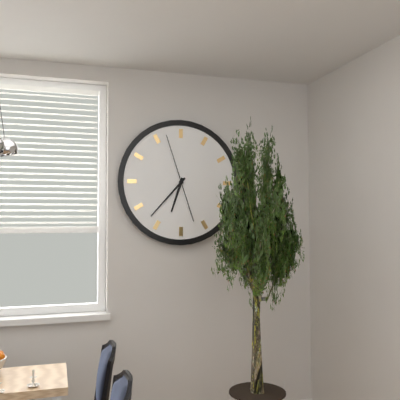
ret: **6:37:57**
